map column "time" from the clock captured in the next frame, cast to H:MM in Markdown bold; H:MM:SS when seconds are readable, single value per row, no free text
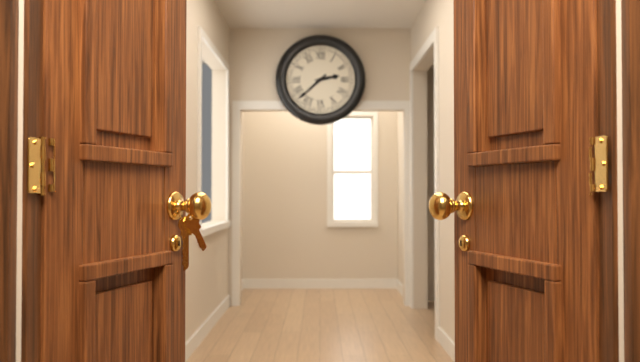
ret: **2:38**
